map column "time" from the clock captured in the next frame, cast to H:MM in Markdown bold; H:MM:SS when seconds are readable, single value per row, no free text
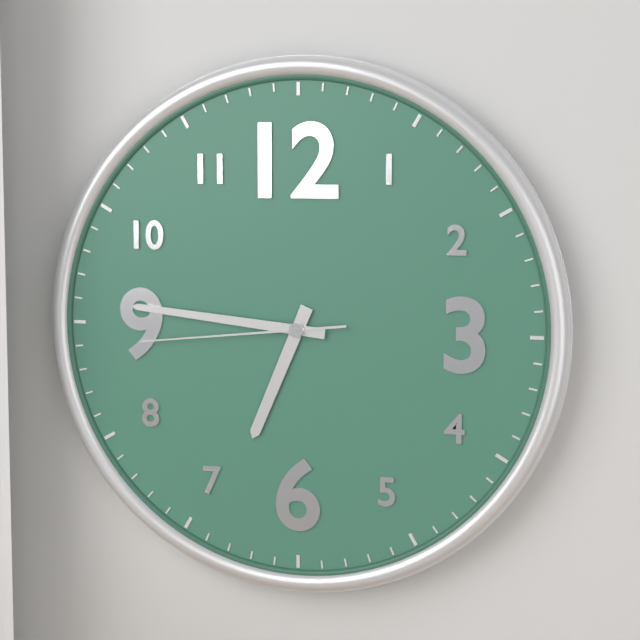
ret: **6:46:44**
